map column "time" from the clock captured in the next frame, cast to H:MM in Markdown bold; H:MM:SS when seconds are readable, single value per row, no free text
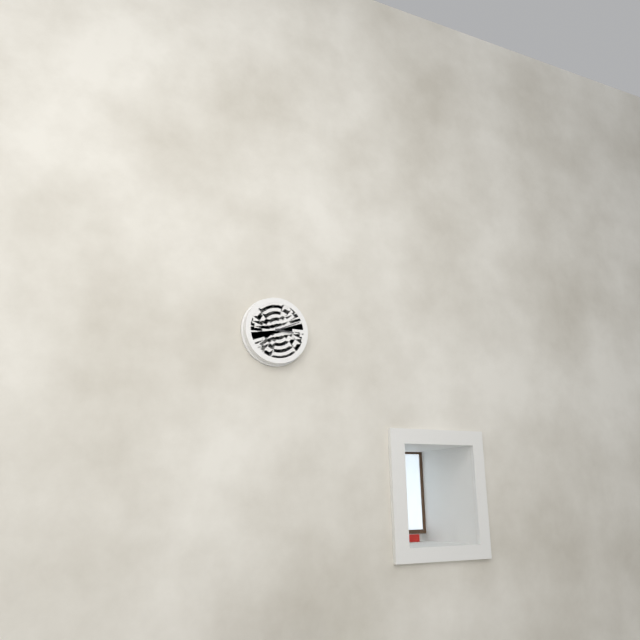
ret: **3:11**
